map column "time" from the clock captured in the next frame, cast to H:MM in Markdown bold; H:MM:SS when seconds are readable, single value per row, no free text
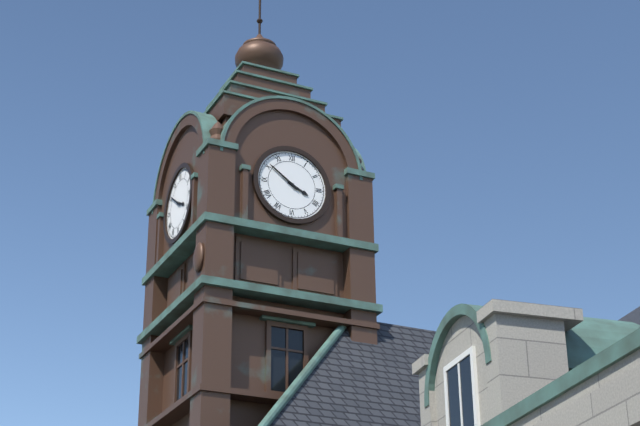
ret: **3:51**
